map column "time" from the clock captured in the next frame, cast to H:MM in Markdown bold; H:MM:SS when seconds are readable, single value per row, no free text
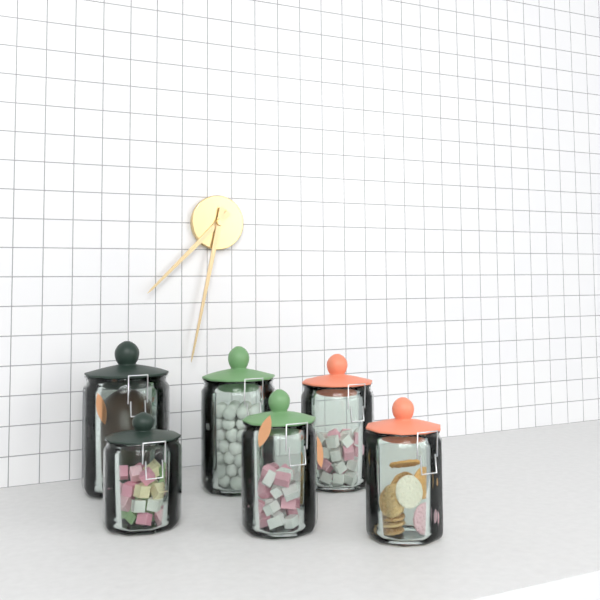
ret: **7:32**
